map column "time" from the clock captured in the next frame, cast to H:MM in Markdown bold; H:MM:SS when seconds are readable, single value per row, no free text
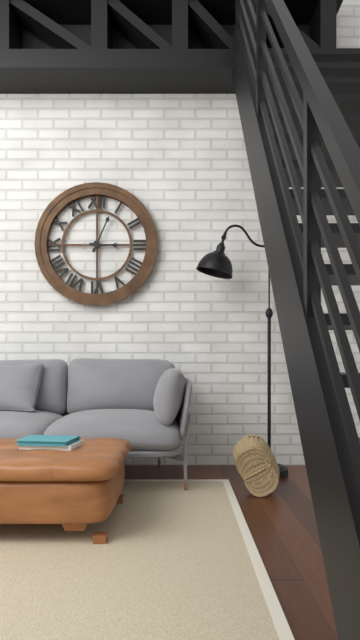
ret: **3:04**
